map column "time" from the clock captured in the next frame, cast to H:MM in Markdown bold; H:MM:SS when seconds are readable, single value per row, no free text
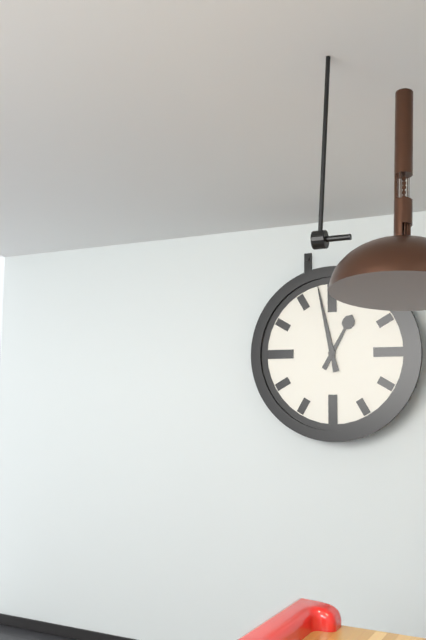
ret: **12:58**
